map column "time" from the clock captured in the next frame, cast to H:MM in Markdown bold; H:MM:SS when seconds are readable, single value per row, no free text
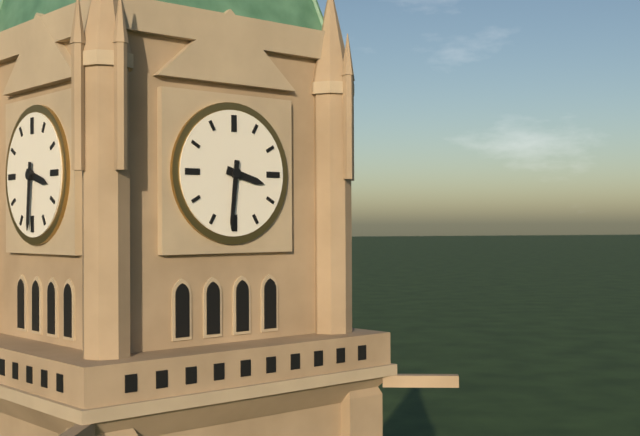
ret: **3:31**
